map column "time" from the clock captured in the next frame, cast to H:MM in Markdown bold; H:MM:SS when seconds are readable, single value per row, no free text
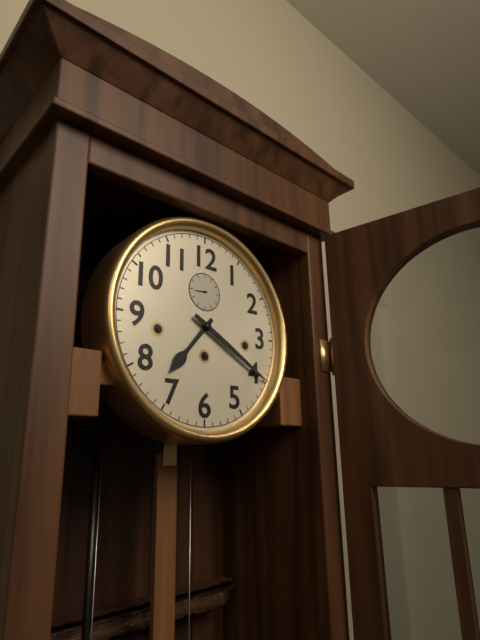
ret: **7:20**
